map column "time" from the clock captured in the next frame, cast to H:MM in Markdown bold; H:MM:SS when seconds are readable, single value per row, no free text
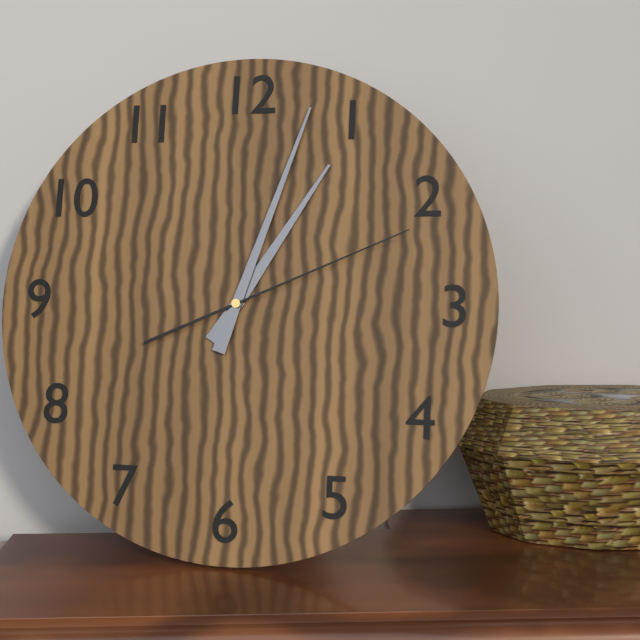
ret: **1:03:11**
